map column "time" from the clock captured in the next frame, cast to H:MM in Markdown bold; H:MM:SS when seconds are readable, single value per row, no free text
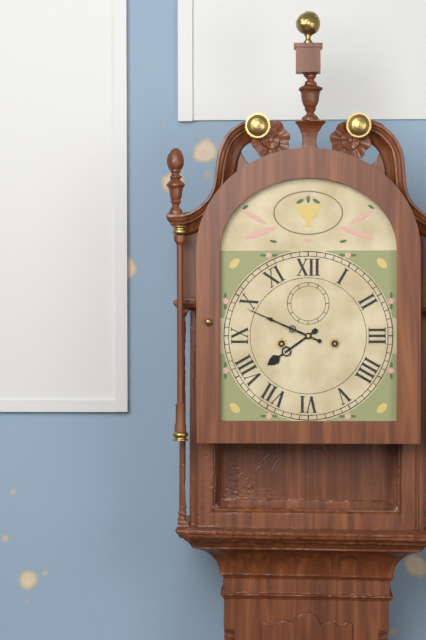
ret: **7:49**
